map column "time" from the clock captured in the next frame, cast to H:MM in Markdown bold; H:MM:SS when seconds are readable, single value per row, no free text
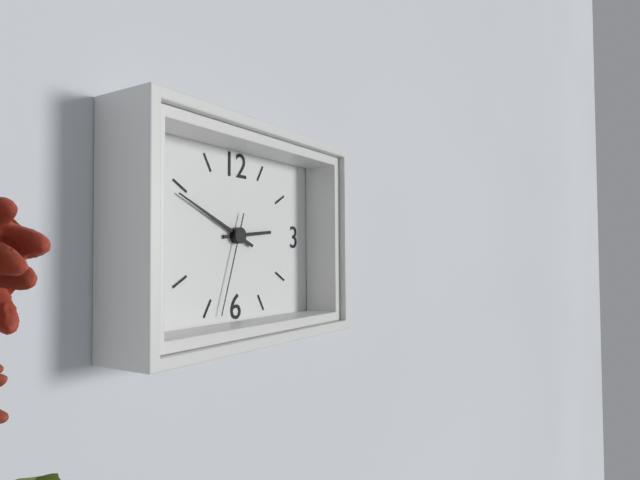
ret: **2:49:33**
